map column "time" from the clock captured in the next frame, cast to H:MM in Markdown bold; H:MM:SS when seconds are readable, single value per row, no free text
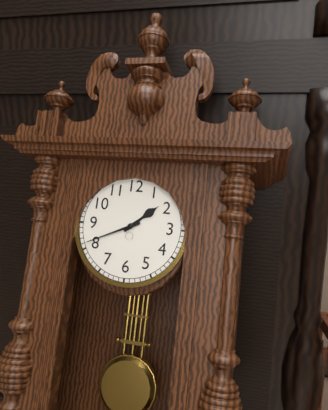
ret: **1:41**
